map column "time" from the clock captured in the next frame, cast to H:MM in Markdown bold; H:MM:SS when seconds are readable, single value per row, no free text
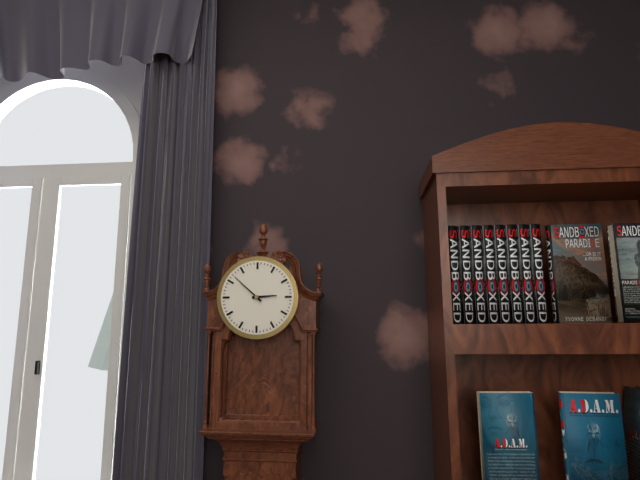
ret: **2:52**
